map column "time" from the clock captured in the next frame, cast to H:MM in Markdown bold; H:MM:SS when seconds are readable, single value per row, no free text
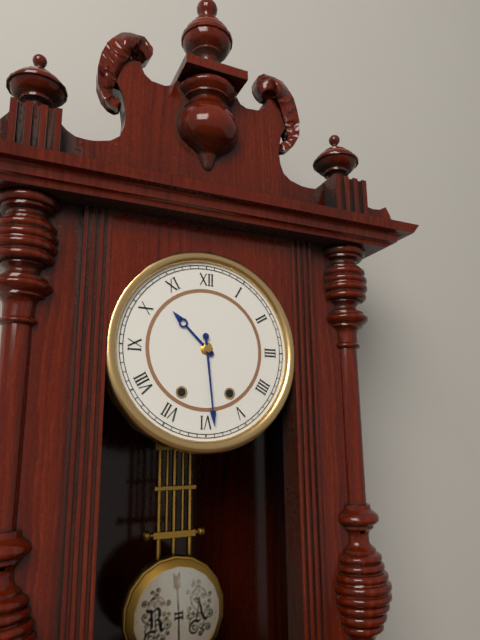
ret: **10:29**
